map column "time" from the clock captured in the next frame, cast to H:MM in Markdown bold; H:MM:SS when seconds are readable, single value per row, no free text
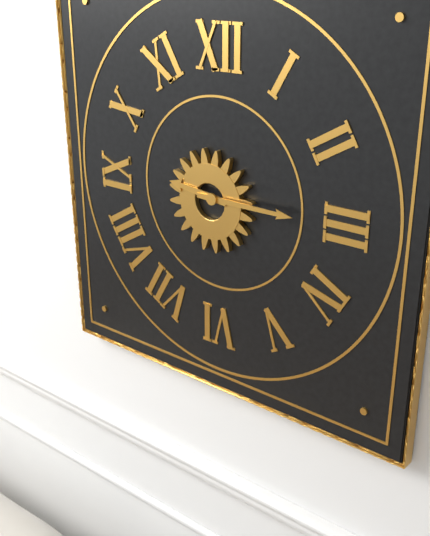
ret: **9:15**
